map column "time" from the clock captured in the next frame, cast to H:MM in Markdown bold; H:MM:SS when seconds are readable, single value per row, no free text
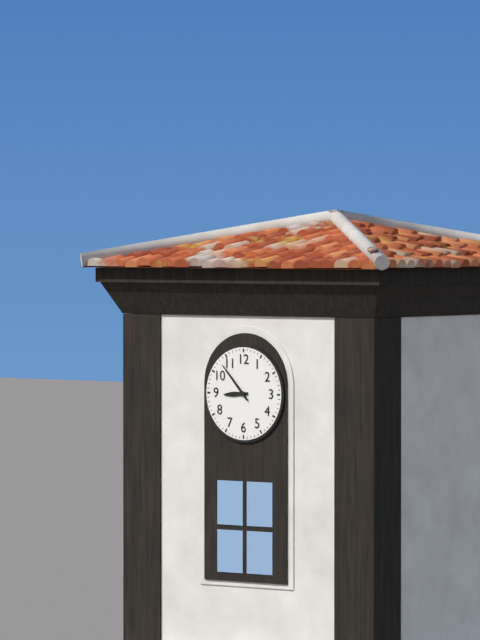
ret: **8:53**
